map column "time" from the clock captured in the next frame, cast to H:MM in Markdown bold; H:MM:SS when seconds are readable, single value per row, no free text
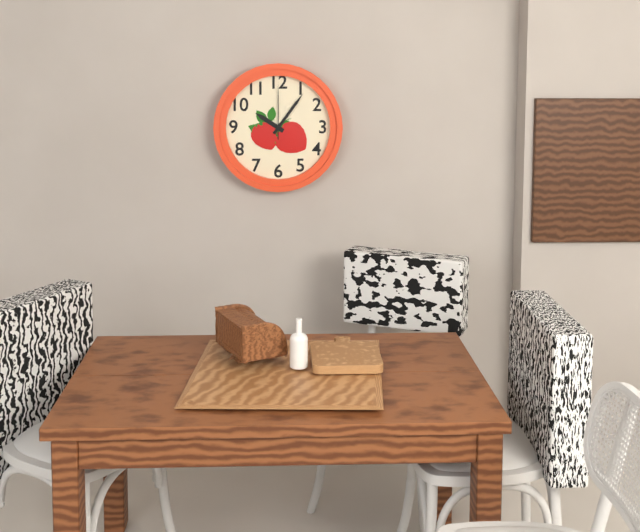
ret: **10:06:00**
